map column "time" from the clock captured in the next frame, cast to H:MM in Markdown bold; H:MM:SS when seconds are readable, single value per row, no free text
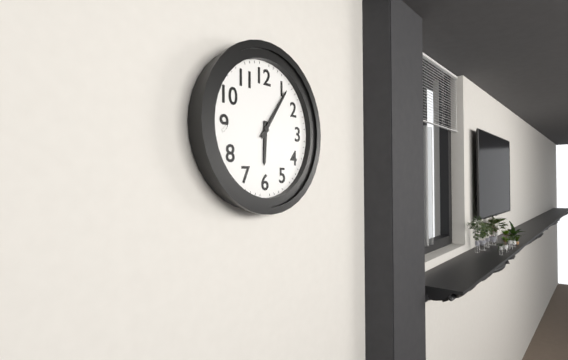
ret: **6:06**
